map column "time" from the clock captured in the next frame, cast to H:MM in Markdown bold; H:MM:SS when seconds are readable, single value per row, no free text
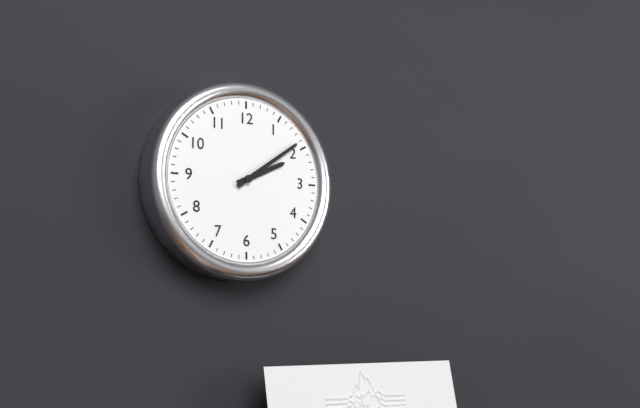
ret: **2:09**
